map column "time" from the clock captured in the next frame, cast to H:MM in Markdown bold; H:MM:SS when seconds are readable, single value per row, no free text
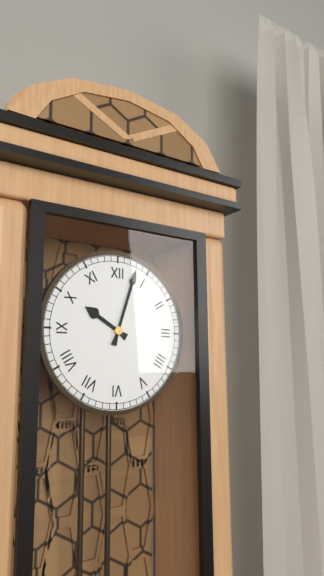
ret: **10:03**
